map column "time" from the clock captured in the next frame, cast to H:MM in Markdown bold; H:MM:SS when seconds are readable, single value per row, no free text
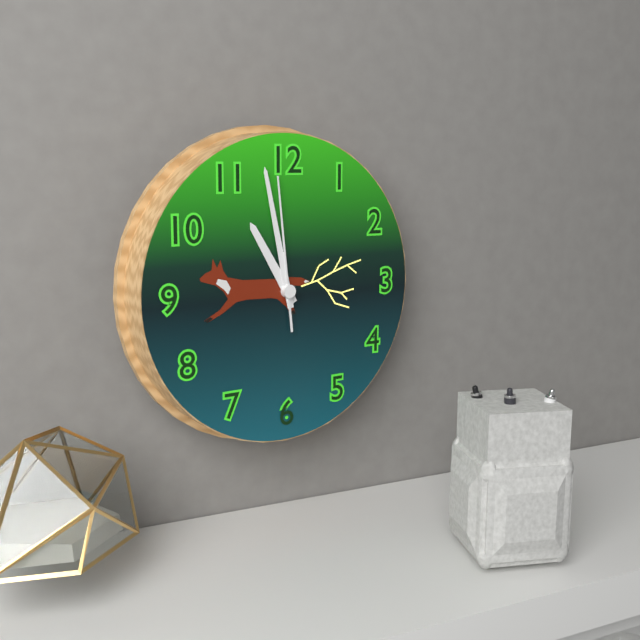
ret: **10:58:59**
